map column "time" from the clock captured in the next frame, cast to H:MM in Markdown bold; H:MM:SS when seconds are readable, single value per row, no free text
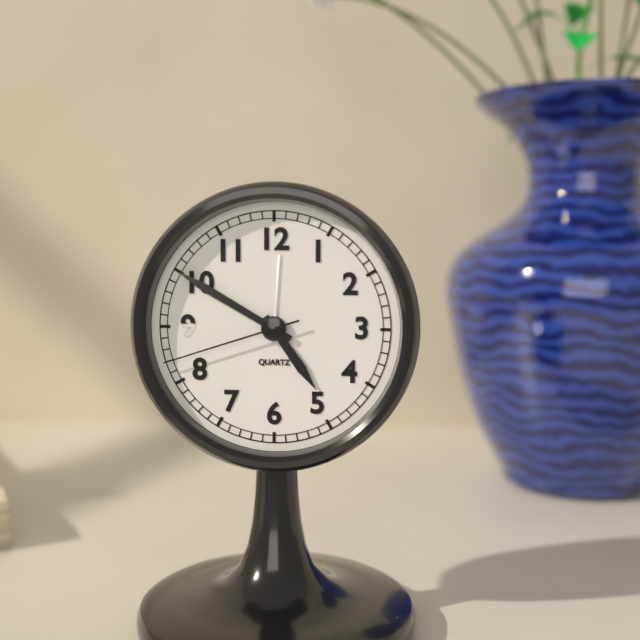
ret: **4:50:42**
